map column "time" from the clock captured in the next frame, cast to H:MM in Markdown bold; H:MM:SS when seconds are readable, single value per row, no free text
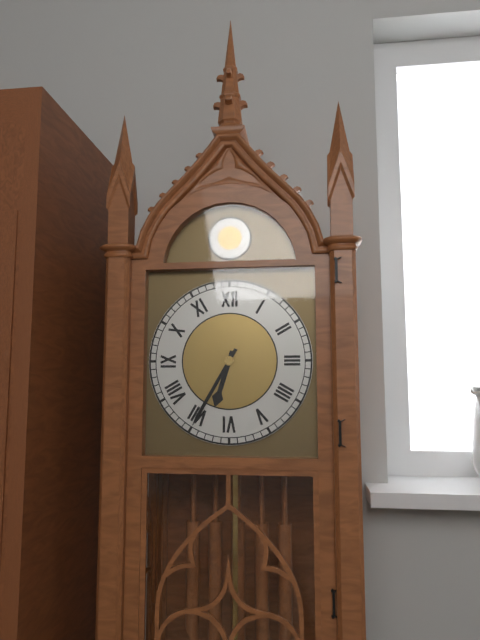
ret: **6:35**
